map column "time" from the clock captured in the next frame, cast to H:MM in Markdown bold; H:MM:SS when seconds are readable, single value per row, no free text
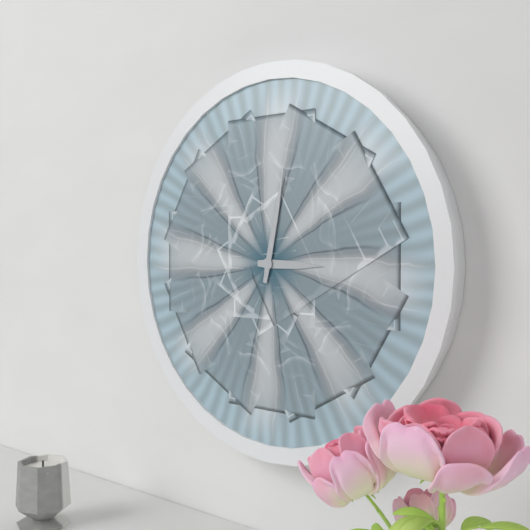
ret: **3:02**
